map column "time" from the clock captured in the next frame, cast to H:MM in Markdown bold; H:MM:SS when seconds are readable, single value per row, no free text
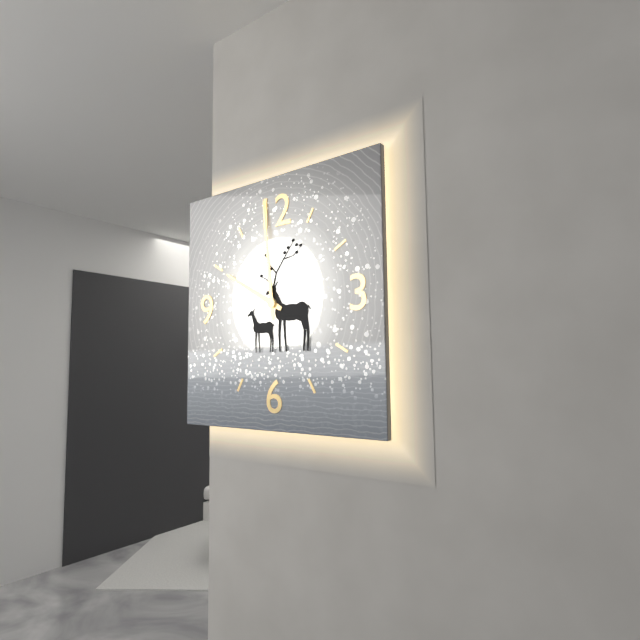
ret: **9:59**
